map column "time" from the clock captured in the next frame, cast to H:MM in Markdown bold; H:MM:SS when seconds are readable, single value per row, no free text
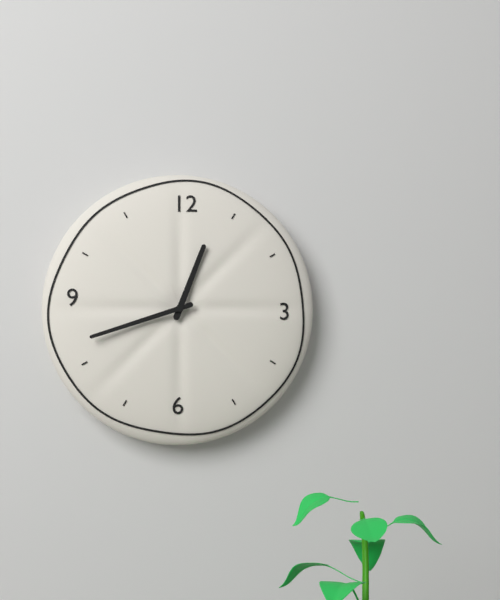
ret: **12:42**
